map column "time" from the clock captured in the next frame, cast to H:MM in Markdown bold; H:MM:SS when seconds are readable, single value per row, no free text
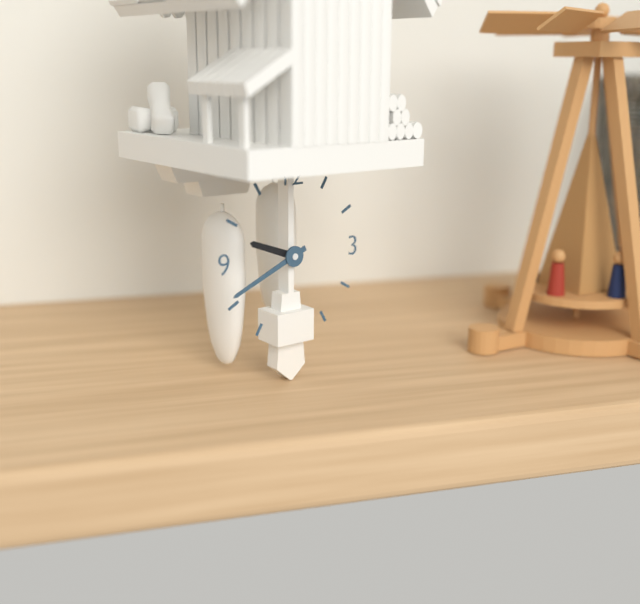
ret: **9:41**
